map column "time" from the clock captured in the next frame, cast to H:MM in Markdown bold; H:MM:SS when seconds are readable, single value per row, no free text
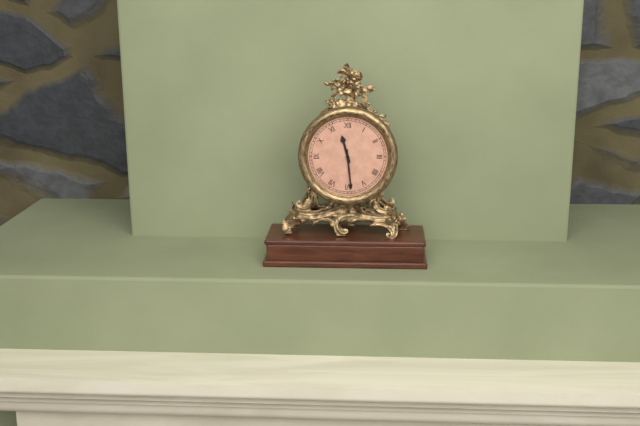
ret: **11:29**
